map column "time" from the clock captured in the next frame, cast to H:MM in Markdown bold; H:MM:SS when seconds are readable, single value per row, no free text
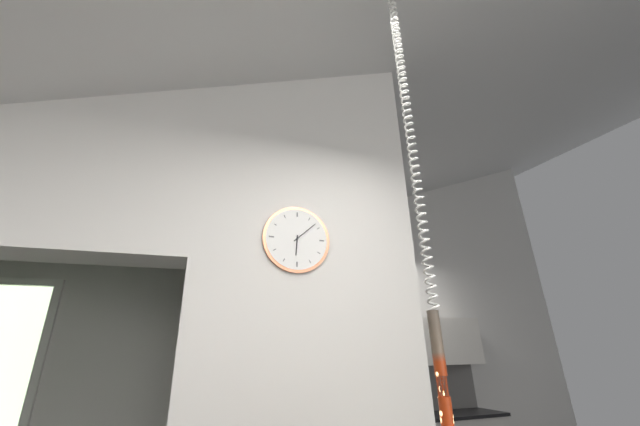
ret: **6:08**
